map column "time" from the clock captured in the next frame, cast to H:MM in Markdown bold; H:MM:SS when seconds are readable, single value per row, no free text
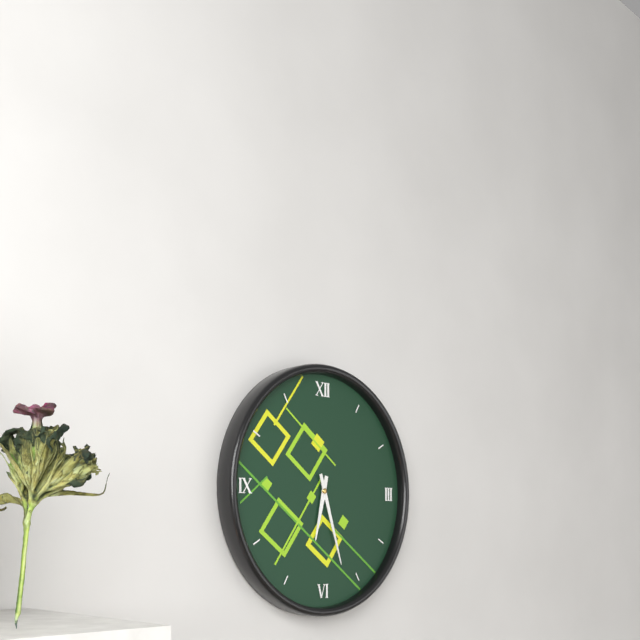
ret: **6:27**
